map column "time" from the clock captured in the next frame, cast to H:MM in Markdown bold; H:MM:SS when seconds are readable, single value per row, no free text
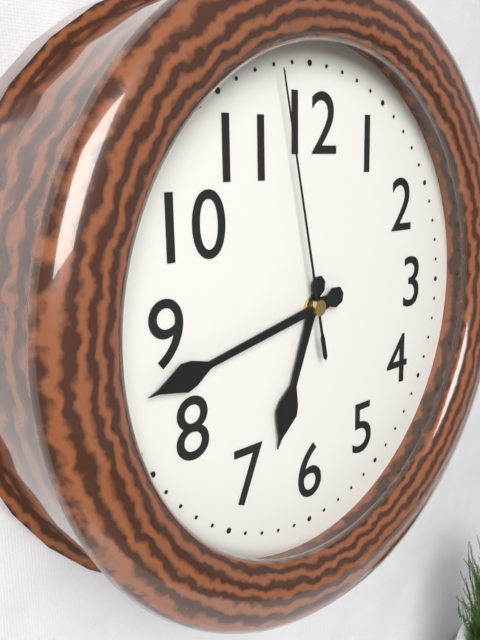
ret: **6:43:58**
